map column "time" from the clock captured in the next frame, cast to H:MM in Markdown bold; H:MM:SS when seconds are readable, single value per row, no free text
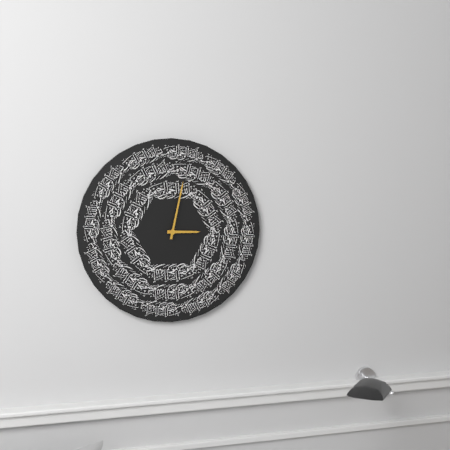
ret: **3:02**
